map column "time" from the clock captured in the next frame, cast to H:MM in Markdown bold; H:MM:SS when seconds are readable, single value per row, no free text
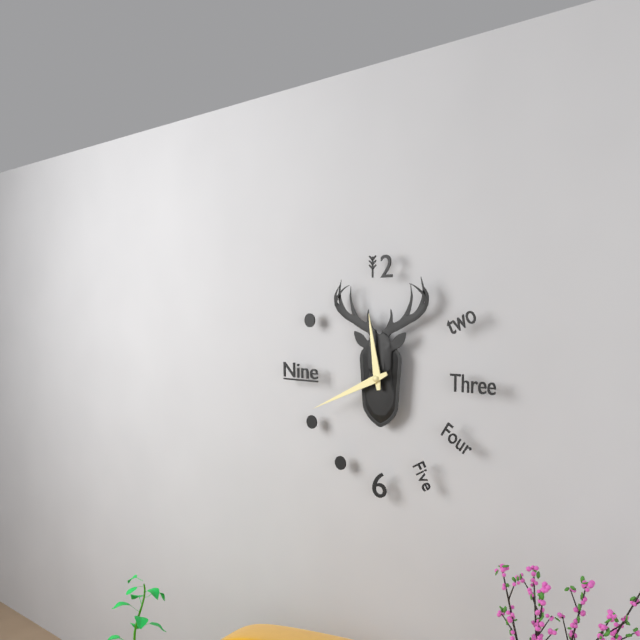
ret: **11:41**
